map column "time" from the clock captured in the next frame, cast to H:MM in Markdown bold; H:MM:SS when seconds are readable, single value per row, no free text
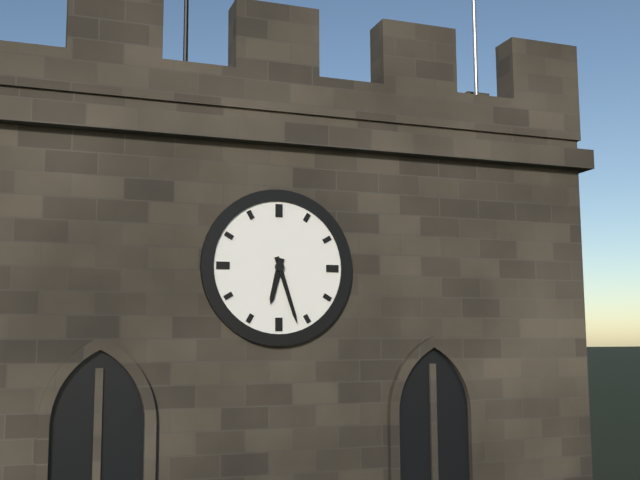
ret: **6:27**
